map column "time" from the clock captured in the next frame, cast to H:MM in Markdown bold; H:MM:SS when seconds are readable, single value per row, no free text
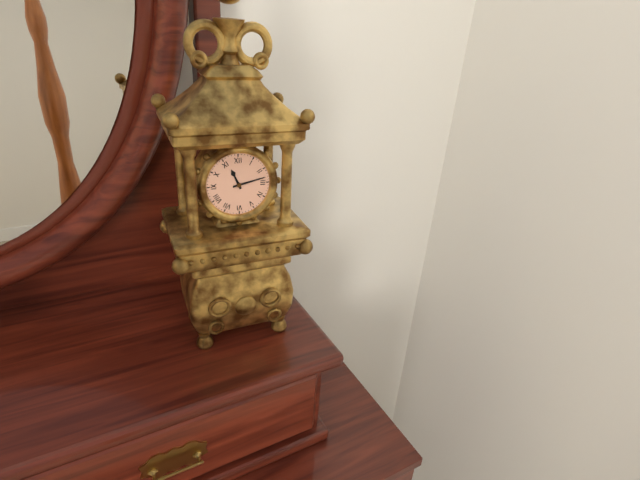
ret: **11:13**
